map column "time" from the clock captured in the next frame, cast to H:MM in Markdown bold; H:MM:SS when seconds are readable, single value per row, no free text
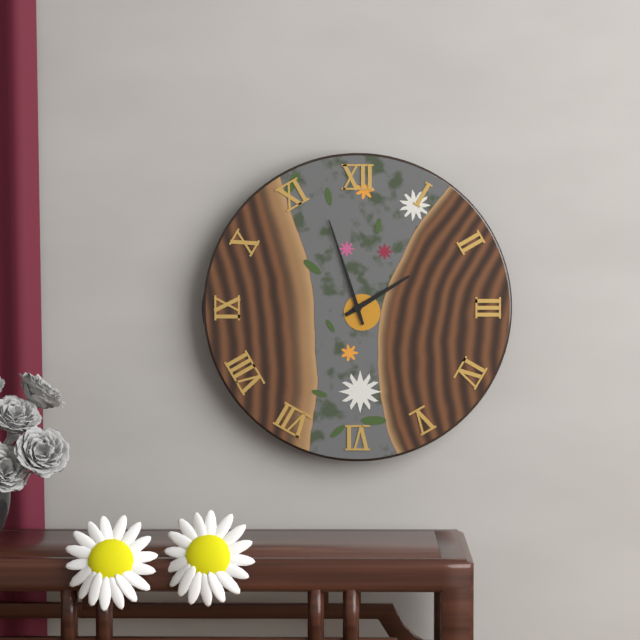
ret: **1:57**
